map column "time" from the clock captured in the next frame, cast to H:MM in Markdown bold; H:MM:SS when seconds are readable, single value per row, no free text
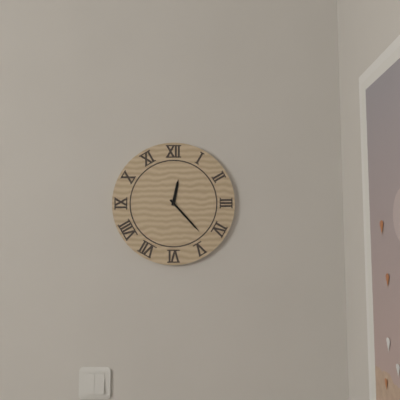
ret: **12:23**
